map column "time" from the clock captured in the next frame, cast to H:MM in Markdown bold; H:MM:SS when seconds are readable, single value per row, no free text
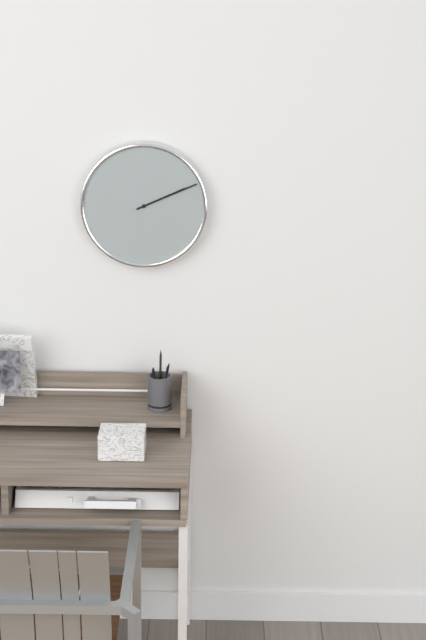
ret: **2:11**
